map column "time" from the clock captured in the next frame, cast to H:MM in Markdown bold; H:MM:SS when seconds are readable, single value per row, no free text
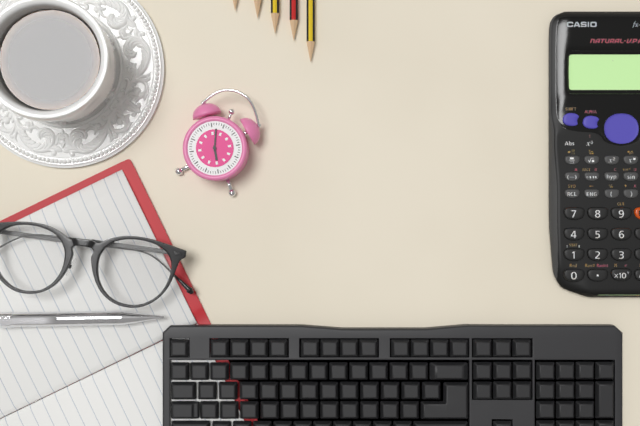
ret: **4:57**
